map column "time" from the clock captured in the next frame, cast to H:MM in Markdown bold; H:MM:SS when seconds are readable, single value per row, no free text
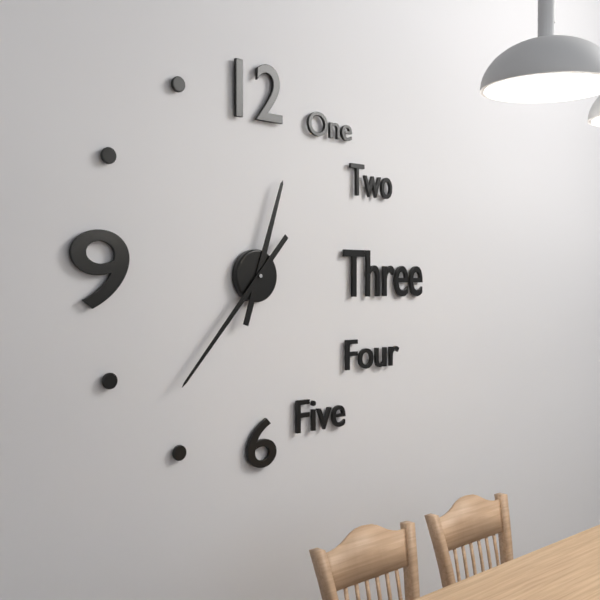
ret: **12:37**
